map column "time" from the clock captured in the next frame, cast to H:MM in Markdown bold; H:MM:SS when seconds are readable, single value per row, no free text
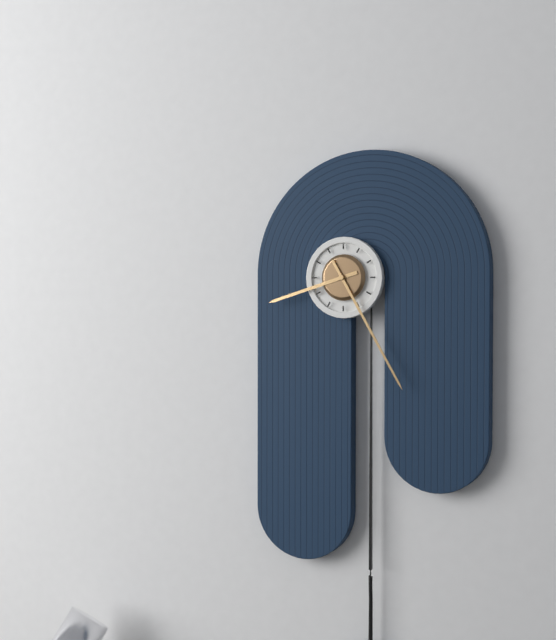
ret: **8:25**
